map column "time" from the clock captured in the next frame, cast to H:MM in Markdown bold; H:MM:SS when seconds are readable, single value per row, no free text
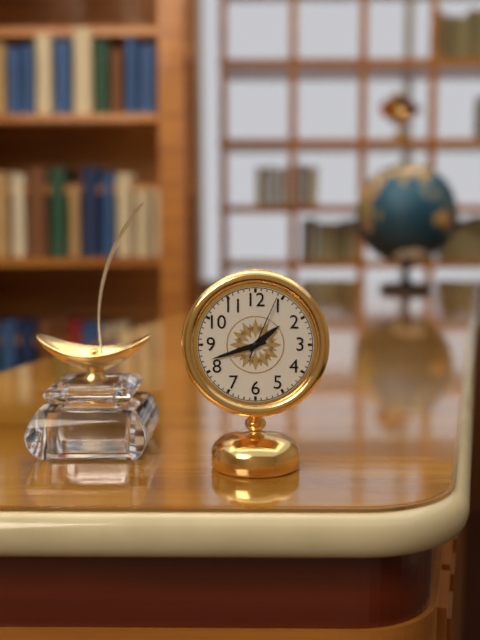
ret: **1:42:04**
